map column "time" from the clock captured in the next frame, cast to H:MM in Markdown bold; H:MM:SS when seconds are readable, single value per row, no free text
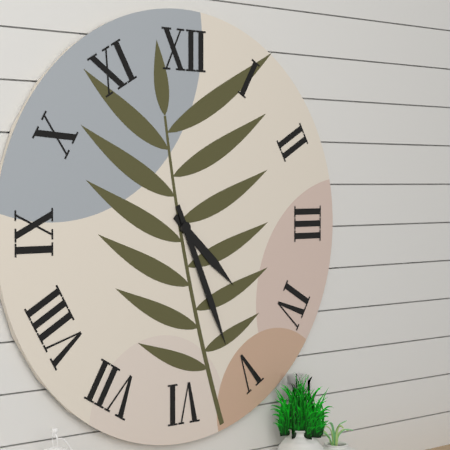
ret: **4:26**
